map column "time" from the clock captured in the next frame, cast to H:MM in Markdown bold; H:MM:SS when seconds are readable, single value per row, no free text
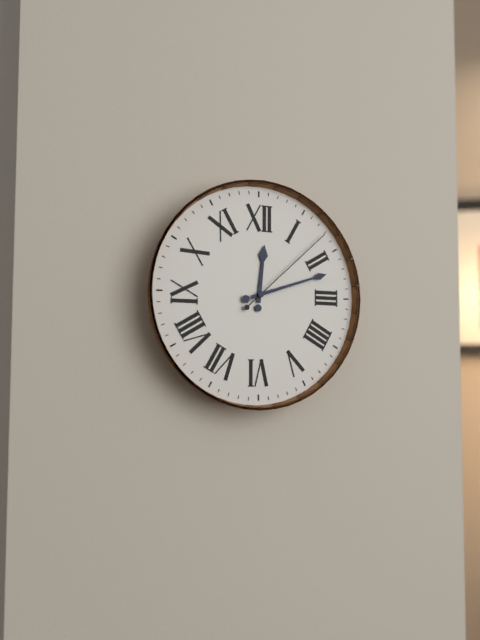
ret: **12:12:08**
